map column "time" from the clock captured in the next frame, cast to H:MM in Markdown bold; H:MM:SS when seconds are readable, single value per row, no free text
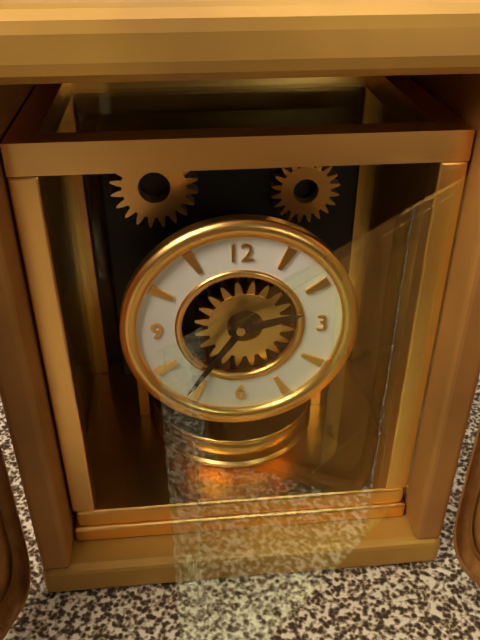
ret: **2:36**
